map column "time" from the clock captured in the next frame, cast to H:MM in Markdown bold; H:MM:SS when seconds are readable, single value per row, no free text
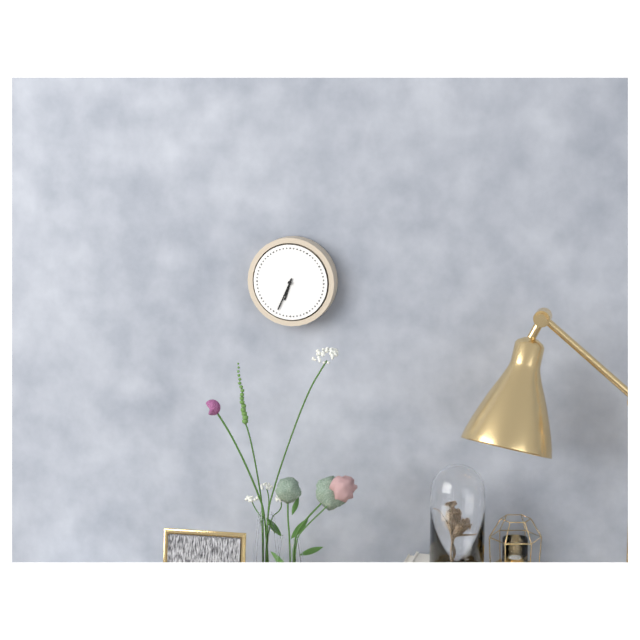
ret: **6:34**
